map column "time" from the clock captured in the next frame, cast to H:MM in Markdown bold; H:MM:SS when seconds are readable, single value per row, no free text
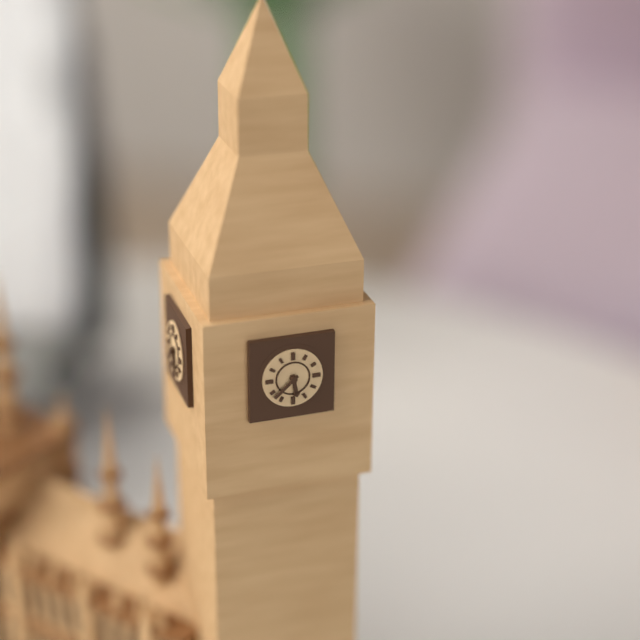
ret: **5:38**
